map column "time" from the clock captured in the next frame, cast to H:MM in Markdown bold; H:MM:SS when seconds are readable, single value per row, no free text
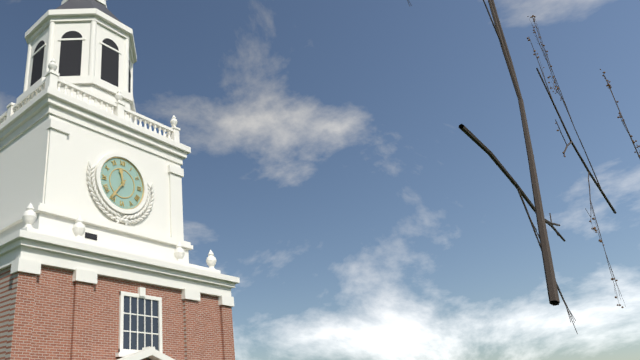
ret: **11:36**
